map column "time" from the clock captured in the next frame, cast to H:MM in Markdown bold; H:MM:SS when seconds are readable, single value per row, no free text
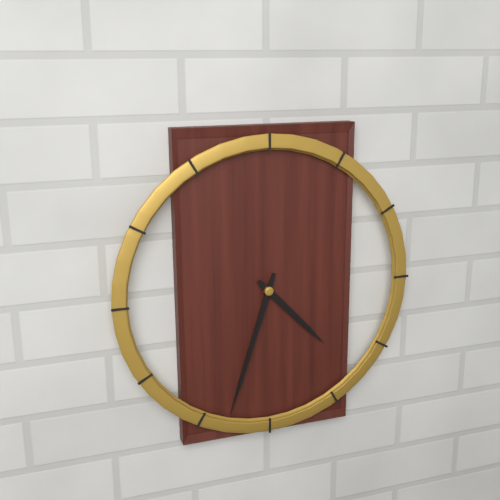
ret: **4:33**
